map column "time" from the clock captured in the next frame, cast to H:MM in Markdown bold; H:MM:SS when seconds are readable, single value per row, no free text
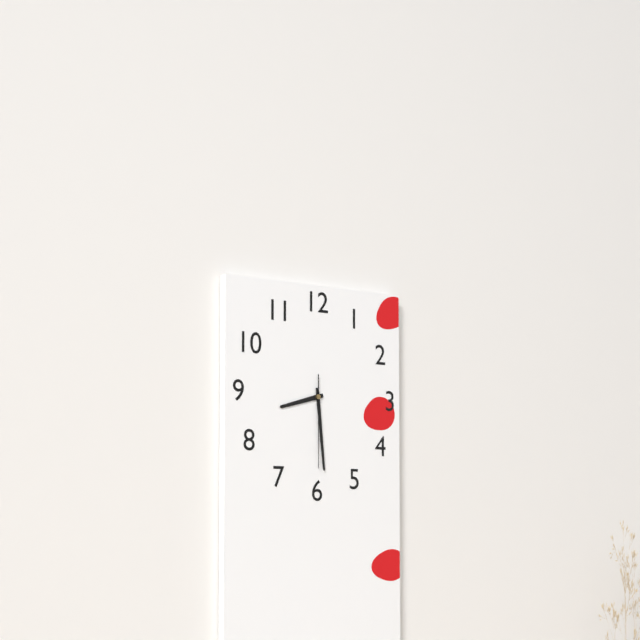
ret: **8:29:30**
